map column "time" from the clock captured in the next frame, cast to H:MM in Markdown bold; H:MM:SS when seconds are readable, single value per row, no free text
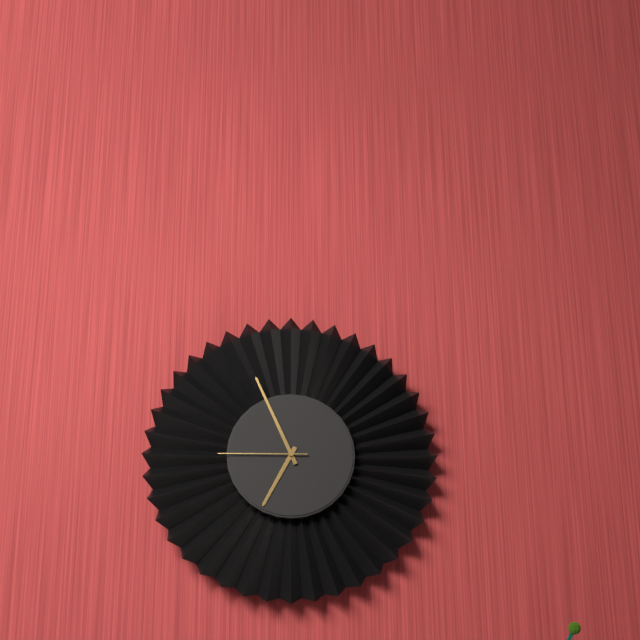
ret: **6:56:45**
